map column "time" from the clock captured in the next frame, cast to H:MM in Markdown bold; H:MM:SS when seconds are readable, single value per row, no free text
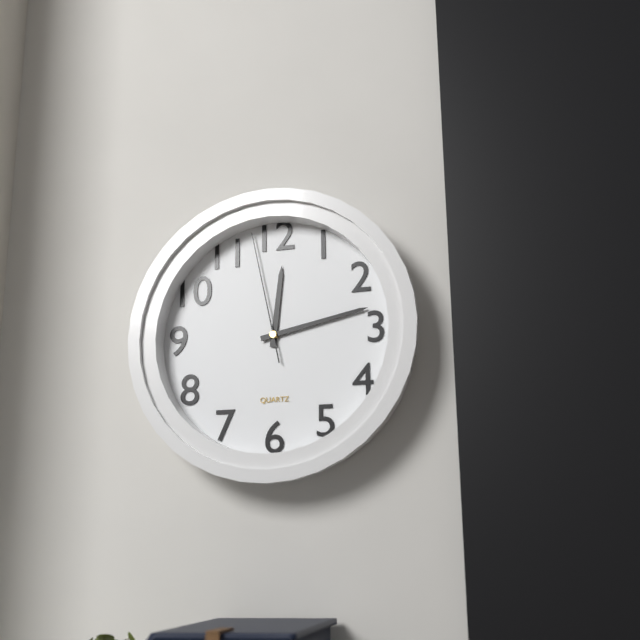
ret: **12:13:58**
